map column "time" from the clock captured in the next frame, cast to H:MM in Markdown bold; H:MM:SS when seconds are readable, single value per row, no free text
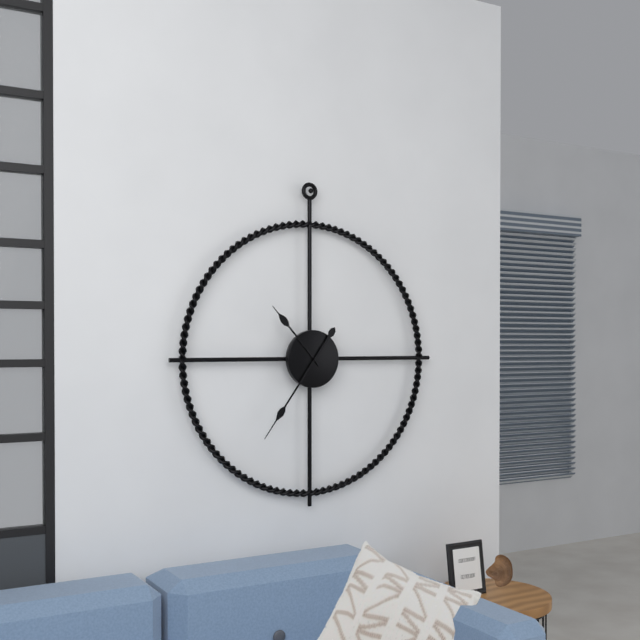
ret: **10:36**
